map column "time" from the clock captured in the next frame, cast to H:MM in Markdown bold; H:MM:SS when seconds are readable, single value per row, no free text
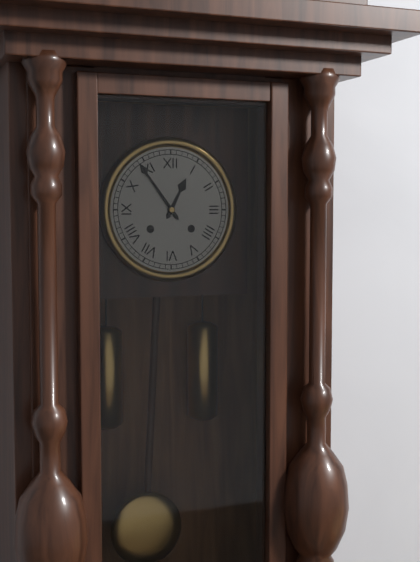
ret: **12:54**
